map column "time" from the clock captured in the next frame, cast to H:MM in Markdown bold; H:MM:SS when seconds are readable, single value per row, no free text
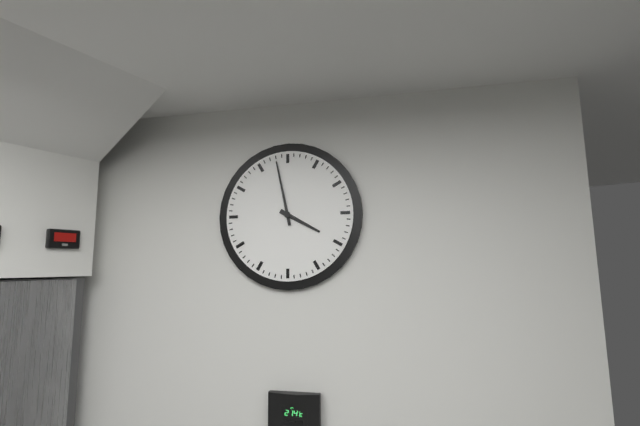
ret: **3:58**
